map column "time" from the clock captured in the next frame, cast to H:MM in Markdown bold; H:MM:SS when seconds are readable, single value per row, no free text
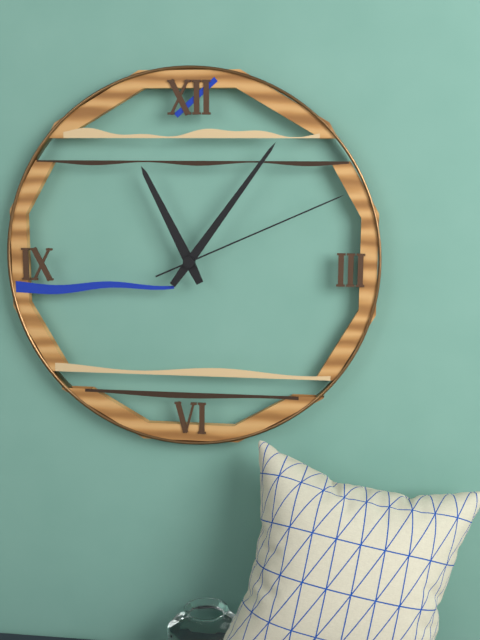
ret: **11:06:11**
